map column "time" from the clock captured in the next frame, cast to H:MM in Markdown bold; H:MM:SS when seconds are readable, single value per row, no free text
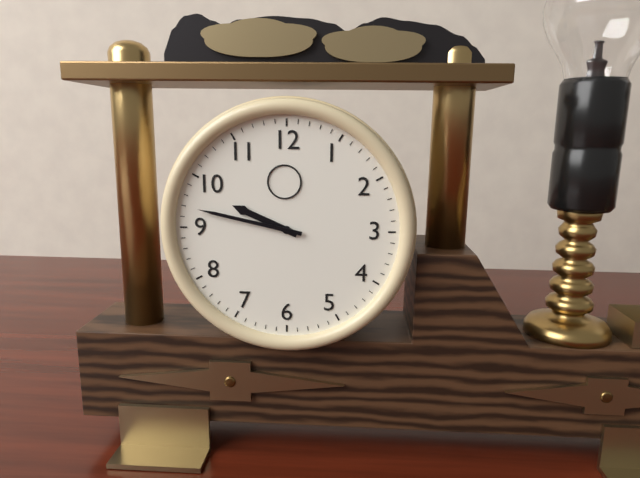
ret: **9:47**
